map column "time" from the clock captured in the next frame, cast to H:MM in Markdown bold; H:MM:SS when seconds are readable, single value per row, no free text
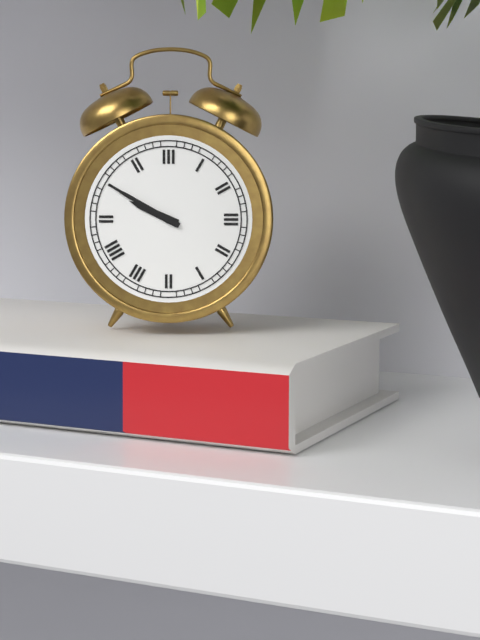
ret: **9:50**
